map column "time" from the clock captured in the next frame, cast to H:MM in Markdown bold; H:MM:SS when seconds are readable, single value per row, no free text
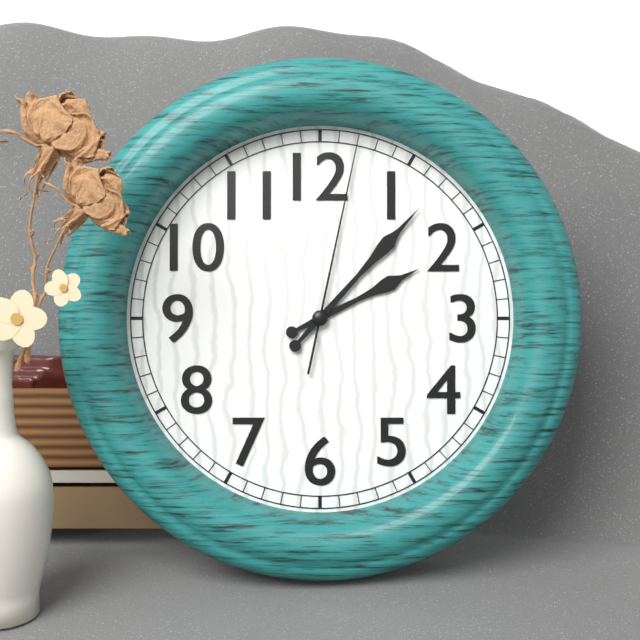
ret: **2:07:02**
